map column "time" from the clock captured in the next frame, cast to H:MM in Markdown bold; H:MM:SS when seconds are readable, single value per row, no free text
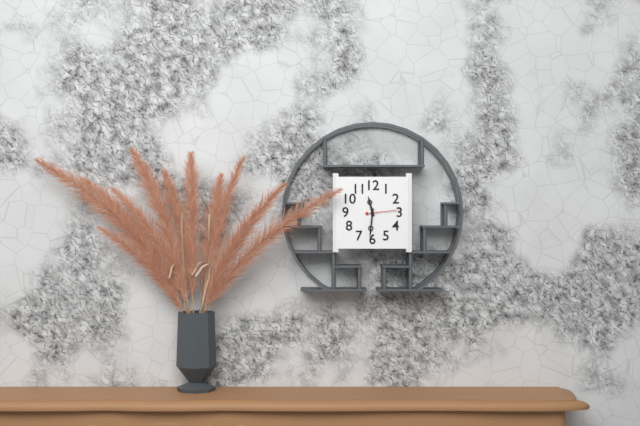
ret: **11:31**
